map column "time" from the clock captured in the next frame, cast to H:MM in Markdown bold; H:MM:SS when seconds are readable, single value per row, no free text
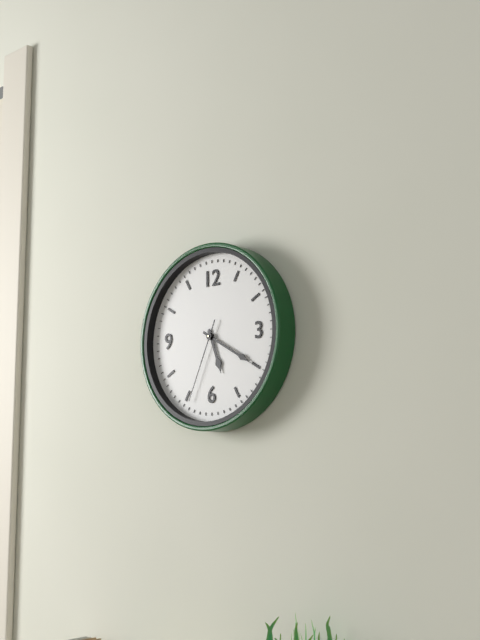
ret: **5:20:34**
